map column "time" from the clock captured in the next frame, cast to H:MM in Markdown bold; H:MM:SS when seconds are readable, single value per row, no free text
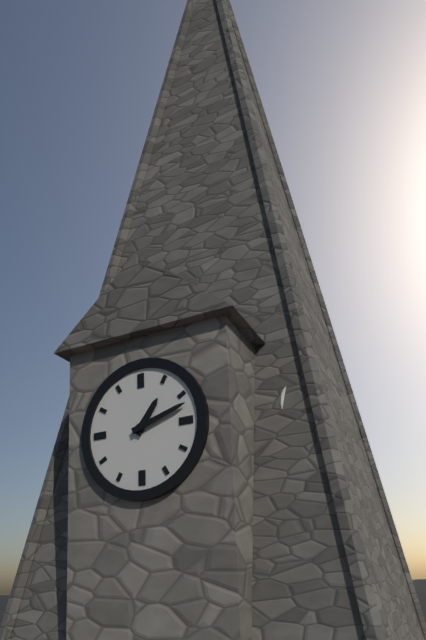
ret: **1:12**
